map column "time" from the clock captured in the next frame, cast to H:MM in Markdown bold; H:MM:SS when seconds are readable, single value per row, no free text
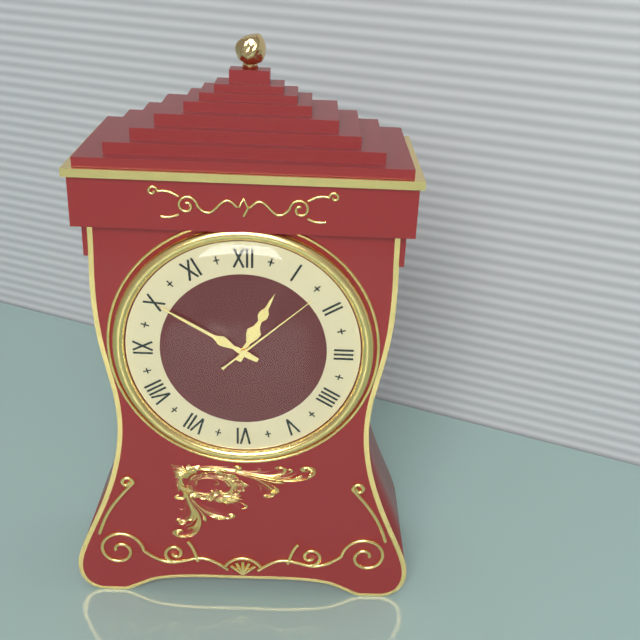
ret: **12:50:08**
